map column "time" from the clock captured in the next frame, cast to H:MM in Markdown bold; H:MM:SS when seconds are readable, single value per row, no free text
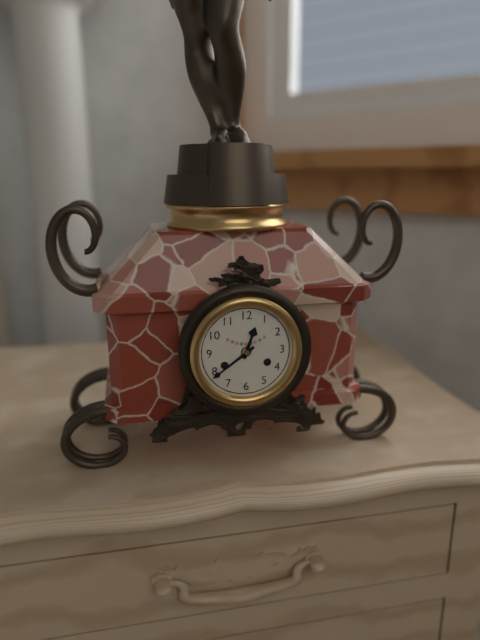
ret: **12:39**
